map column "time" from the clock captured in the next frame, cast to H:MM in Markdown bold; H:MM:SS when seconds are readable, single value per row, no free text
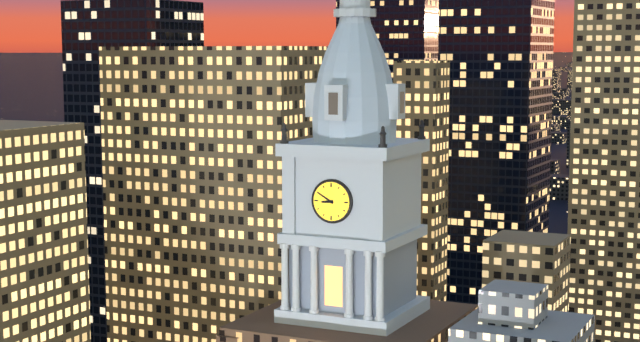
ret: **8:50**
